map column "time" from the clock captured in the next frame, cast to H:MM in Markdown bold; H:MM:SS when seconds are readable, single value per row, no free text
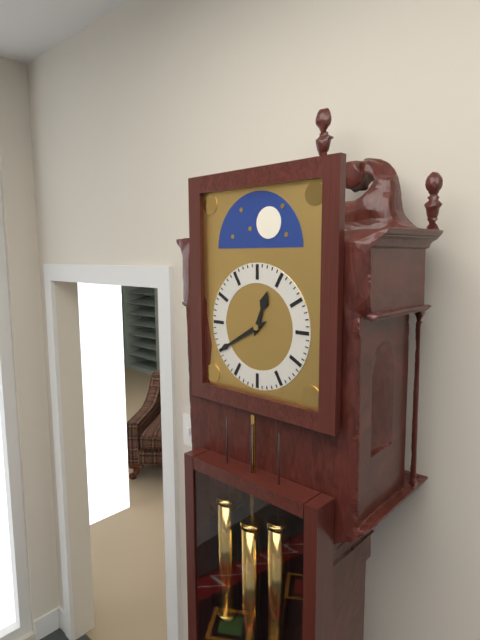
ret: **12:40**
